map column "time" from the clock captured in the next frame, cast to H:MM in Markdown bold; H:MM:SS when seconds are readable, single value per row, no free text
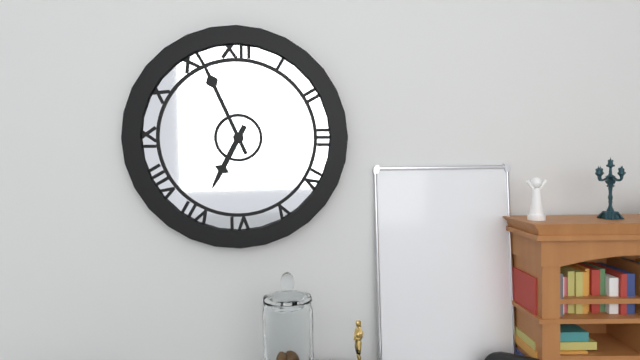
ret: **6:56**
